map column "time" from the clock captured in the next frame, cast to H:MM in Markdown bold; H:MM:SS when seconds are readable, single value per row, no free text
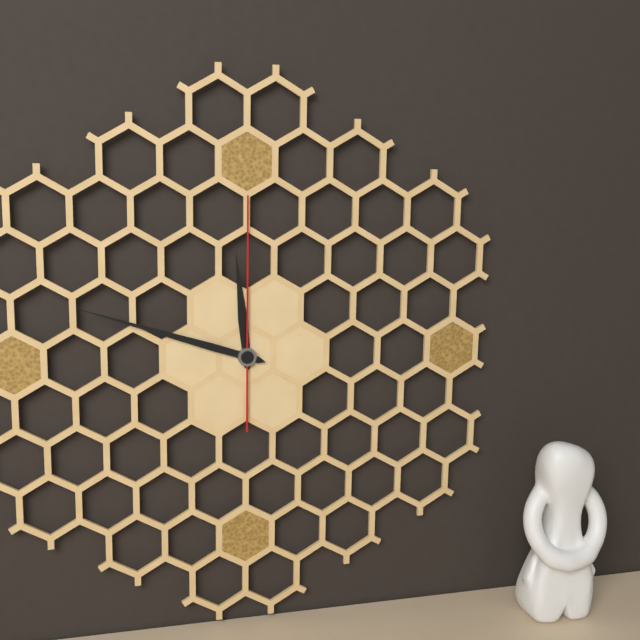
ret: **11:48:00**
